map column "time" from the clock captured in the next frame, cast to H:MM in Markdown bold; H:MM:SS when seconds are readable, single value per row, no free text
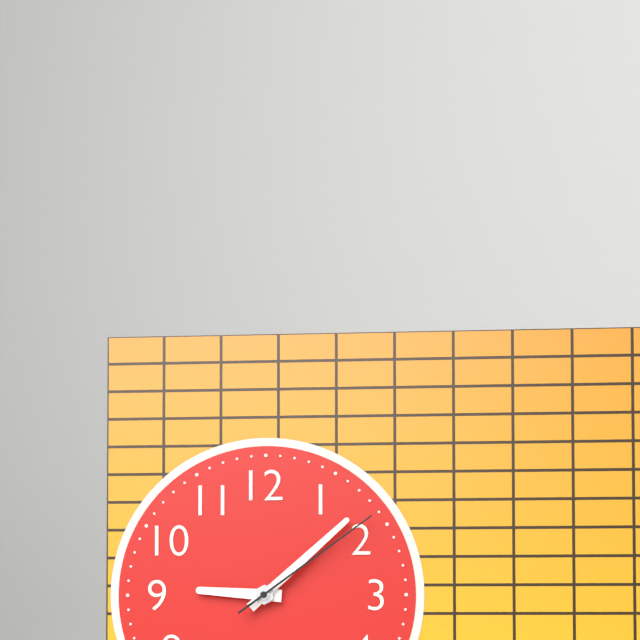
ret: **9:08:09**
